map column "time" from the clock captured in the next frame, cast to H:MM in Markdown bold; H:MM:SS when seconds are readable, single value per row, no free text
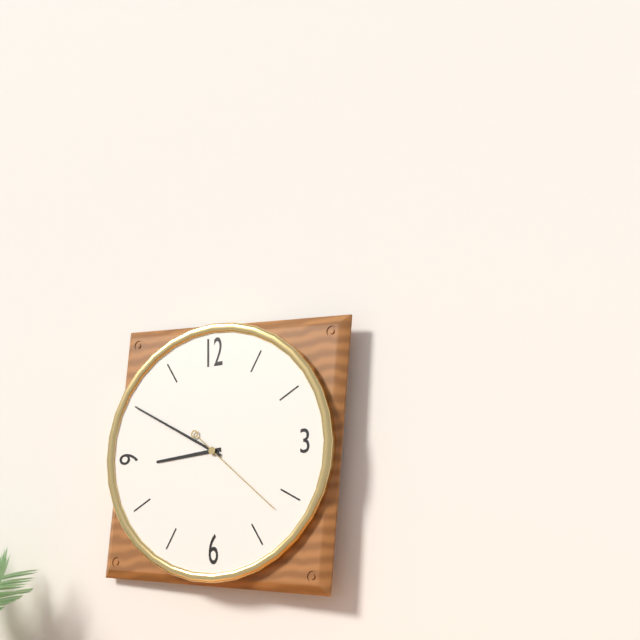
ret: **8:50:22**
